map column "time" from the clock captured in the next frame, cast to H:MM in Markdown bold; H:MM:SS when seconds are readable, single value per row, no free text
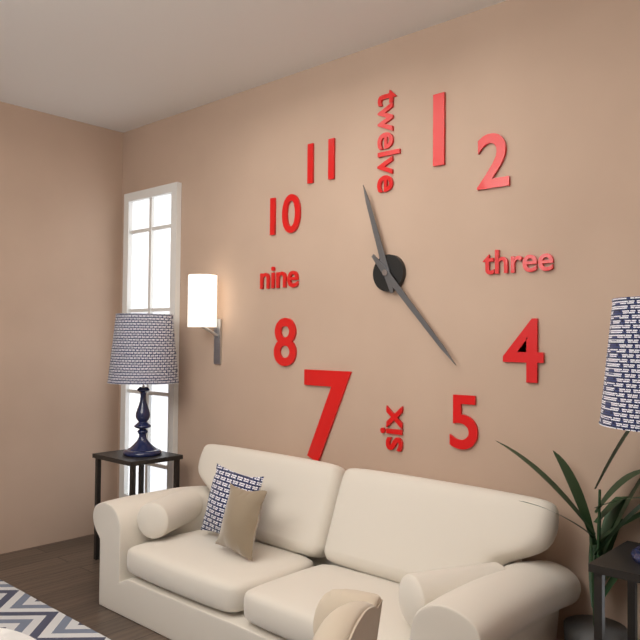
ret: **11:23**
